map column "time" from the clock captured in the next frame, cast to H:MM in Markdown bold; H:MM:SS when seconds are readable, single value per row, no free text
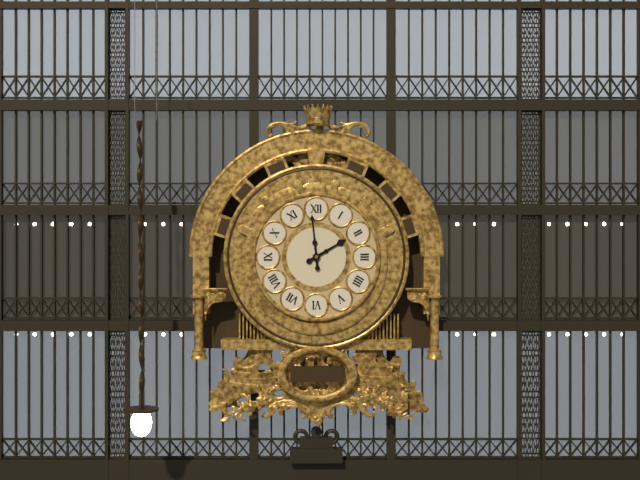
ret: **1:59**
